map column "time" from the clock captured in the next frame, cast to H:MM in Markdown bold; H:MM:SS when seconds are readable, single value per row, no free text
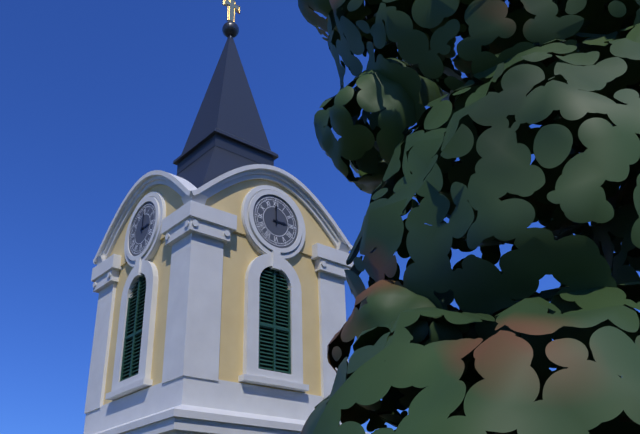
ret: **3:00**
